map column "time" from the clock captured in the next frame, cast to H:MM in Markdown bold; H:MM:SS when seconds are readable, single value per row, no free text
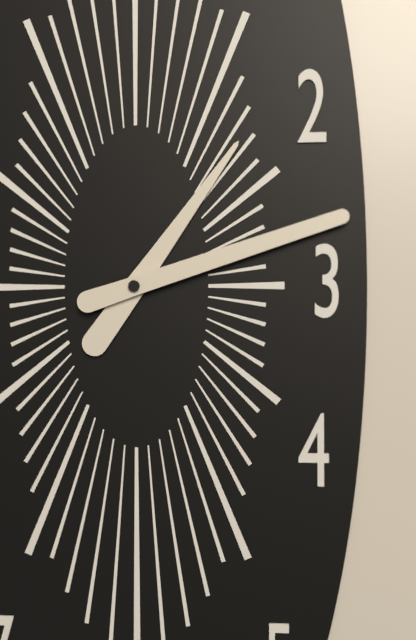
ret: **1:12**
